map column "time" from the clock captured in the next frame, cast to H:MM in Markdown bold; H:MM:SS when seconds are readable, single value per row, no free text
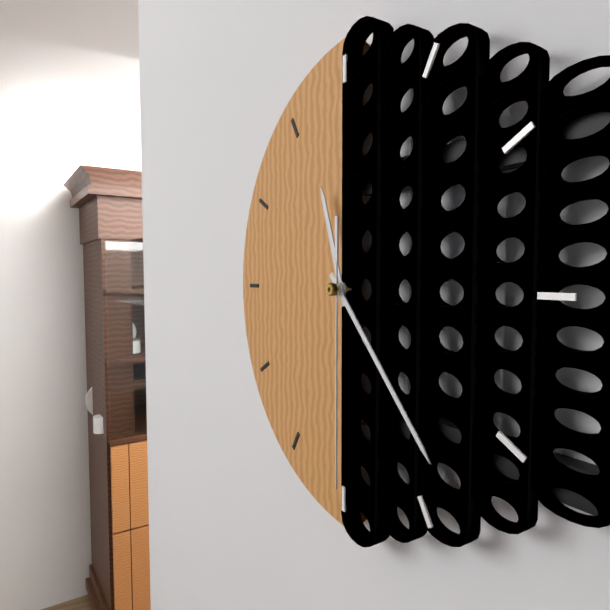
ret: **11:23:30**
